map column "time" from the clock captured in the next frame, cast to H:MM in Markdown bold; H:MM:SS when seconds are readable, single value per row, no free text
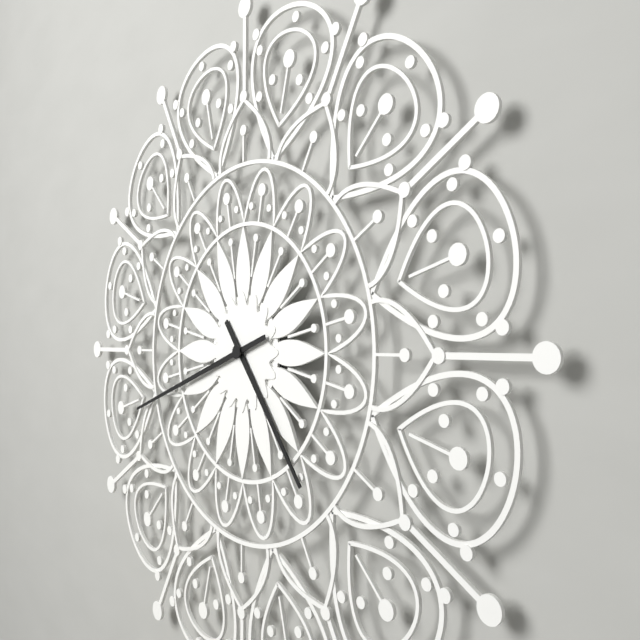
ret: **4:42**
